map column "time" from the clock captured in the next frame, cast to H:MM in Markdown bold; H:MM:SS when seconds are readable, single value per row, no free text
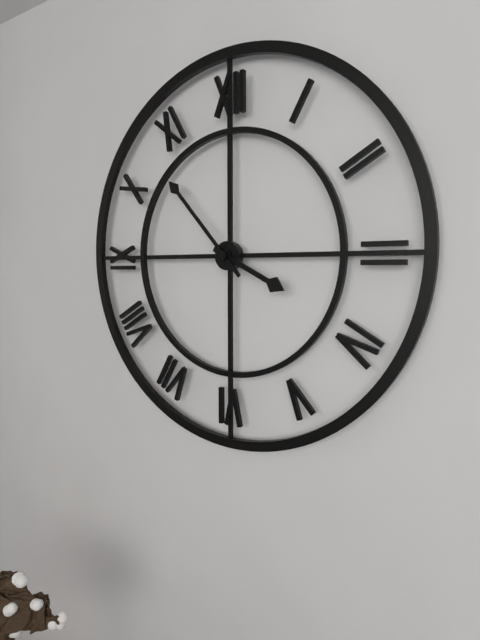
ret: **3:53**
